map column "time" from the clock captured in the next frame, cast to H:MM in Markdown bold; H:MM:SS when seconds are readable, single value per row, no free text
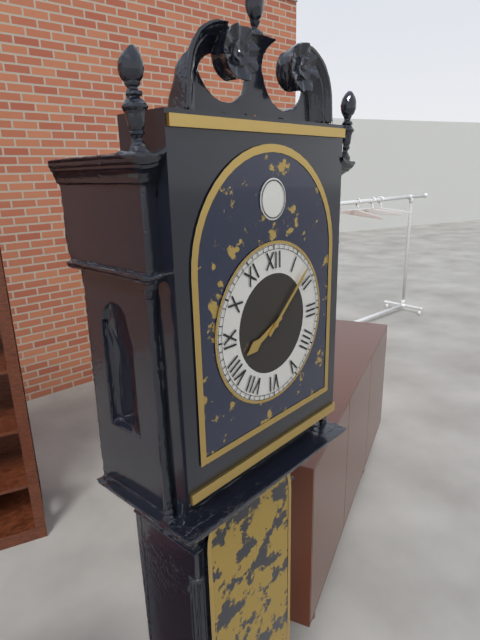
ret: **8:08**
